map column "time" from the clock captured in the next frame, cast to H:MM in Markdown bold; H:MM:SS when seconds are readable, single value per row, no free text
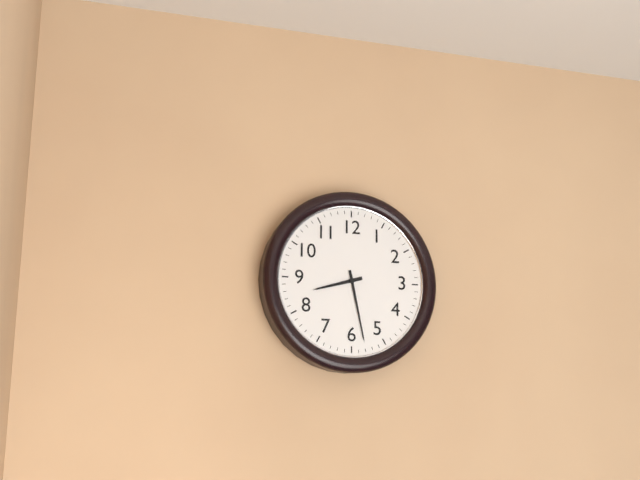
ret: **8:28**
